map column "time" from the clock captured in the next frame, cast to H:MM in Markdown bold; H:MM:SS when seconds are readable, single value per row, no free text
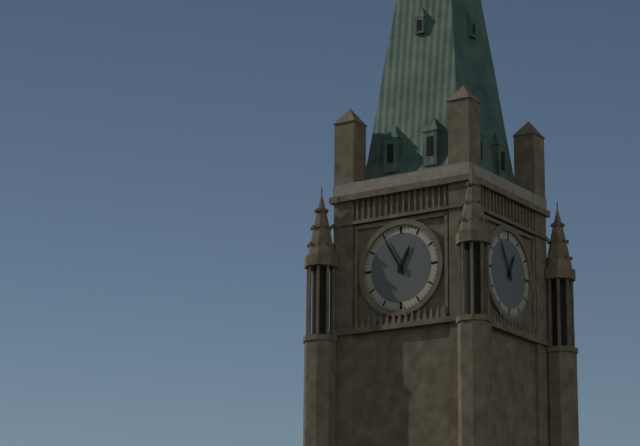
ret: **12:55**
